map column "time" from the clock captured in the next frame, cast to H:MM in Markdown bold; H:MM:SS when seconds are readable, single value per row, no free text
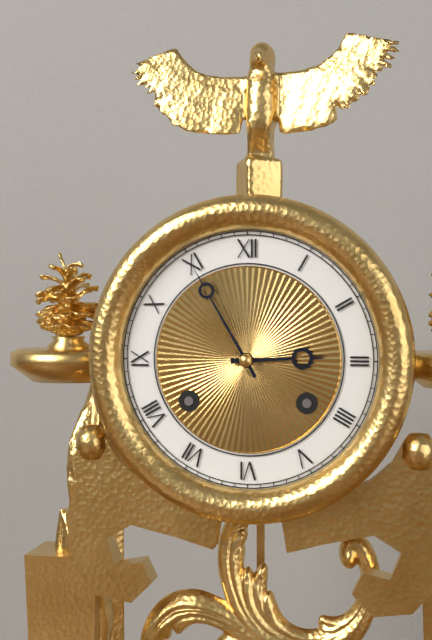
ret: **2:55**
